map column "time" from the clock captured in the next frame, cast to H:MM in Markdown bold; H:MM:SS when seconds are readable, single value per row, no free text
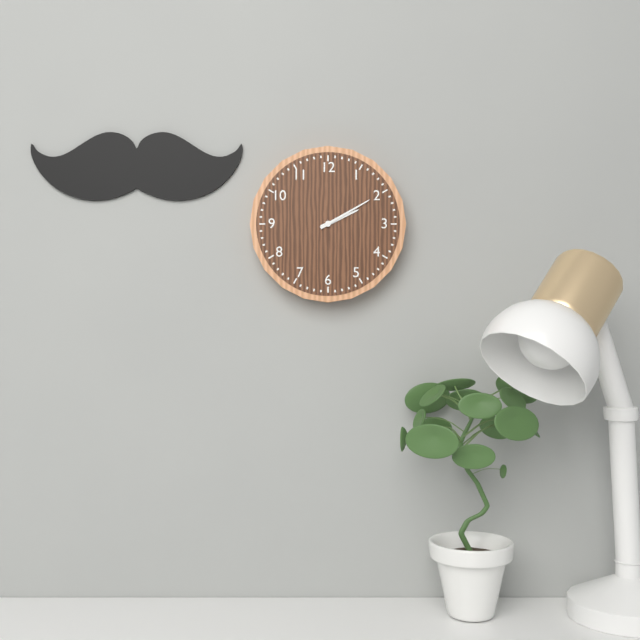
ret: **2:10**
